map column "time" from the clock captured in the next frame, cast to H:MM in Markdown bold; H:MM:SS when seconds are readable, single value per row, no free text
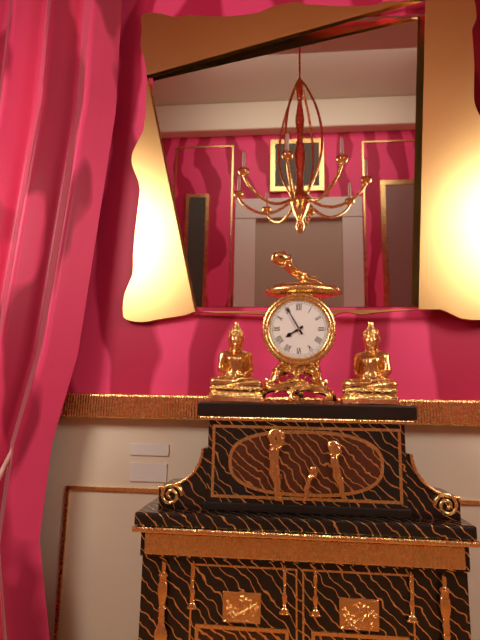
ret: **7:55**
